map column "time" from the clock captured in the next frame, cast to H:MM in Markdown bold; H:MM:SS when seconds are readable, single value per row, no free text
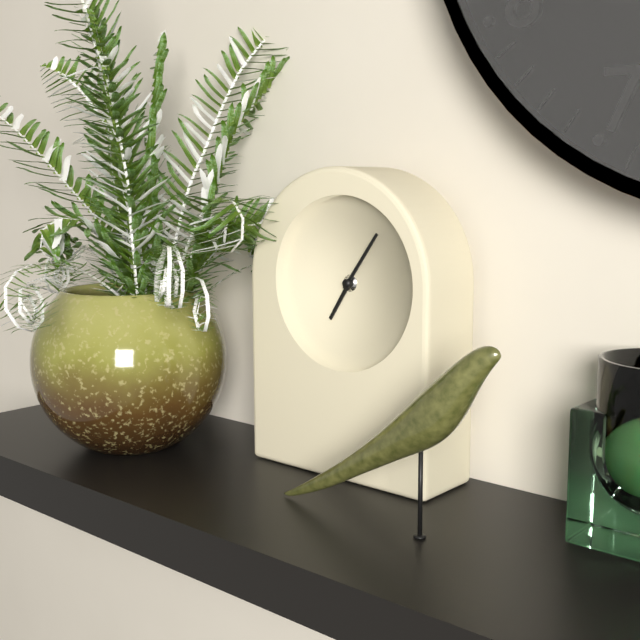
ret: **7:06**
